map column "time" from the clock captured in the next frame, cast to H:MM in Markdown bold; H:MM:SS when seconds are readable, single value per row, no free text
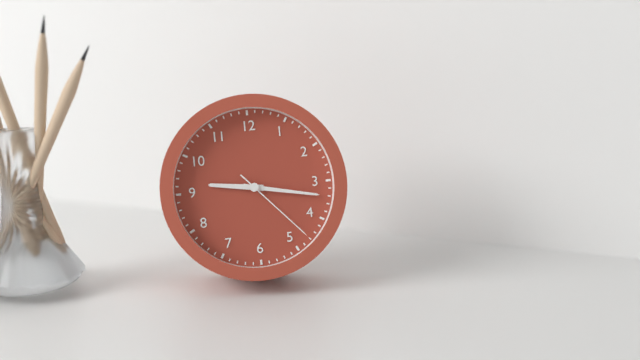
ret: **9:17:23**
